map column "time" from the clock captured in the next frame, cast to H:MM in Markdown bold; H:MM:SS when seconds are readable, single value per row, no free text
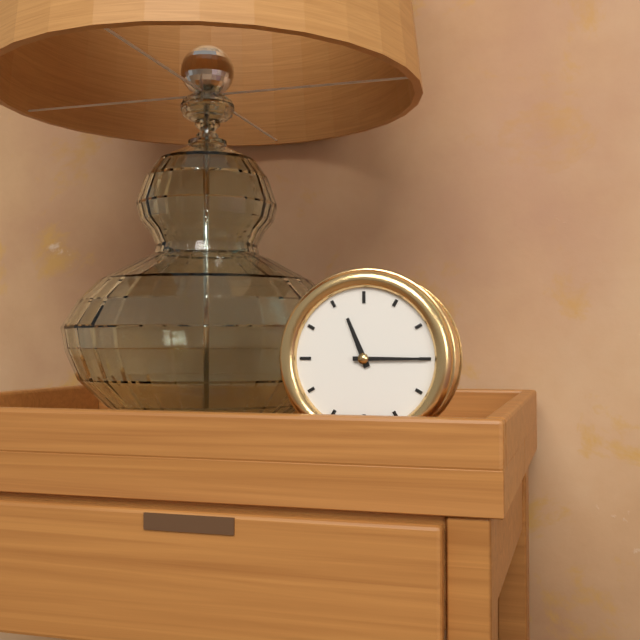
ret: **11:15**
